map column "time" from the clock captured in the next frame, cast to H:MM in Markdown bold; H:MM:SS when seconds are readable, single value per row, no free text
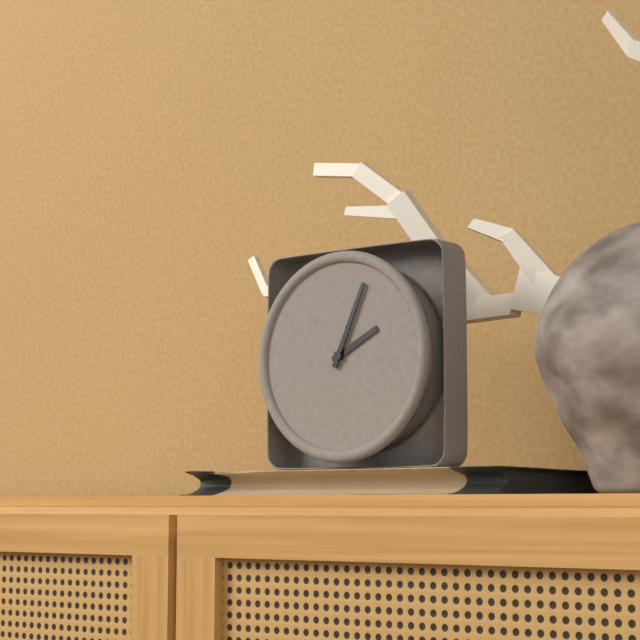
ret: **2:04**
